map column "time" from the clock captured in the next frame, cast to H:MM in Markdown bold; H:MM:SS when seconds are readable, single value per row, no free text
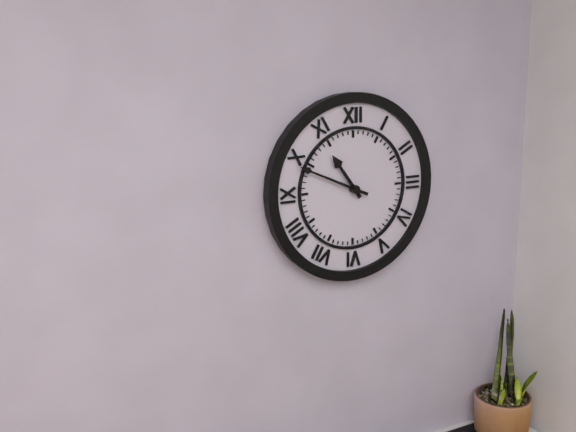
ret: **10:49**
